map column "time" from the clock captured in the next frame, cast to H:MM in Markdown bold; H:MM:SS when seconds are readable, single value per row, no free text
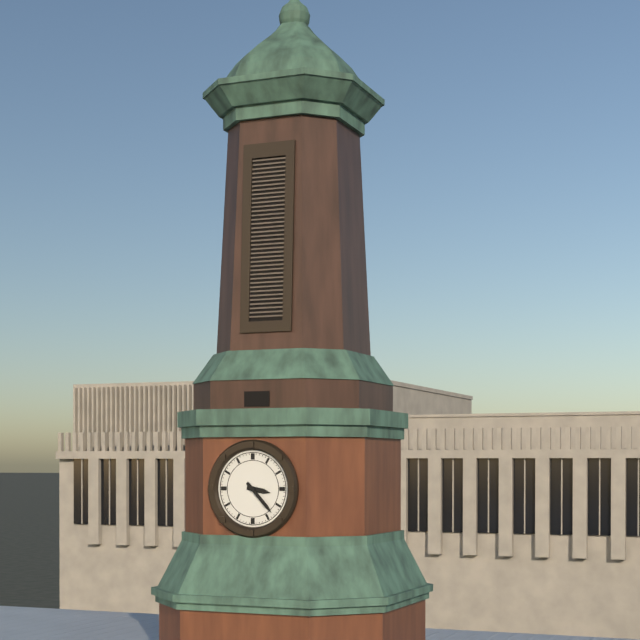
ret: **3:23**
